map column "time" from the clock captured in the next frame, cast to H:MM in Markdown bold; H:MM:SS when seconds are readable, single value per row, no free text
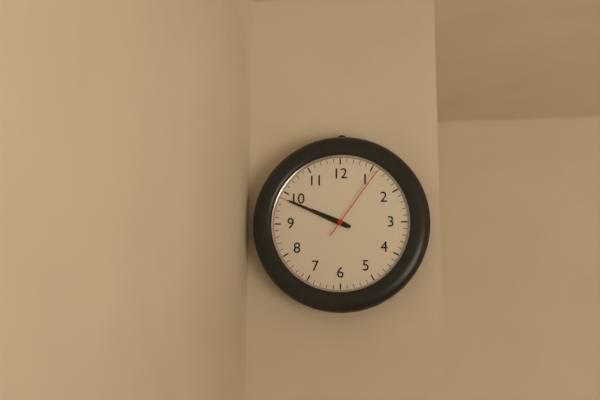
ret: **9:49:06**
